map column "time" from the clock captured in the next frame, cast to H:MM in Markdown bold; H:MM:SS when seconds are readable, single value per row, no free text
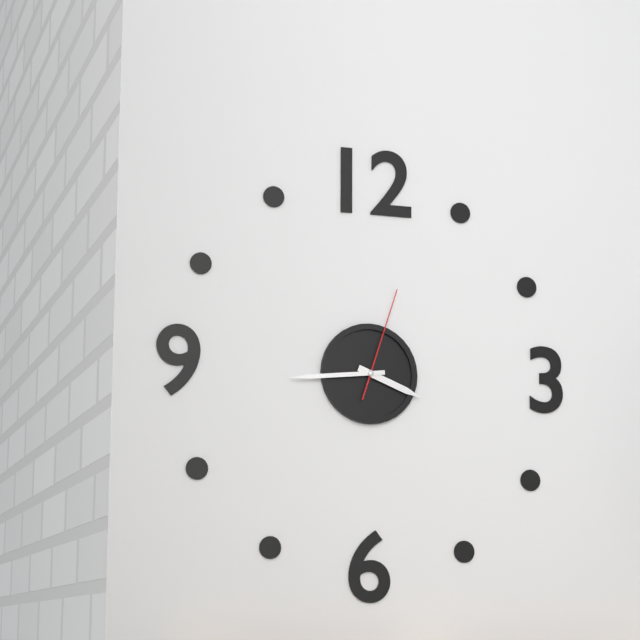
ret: **3:44:03**
